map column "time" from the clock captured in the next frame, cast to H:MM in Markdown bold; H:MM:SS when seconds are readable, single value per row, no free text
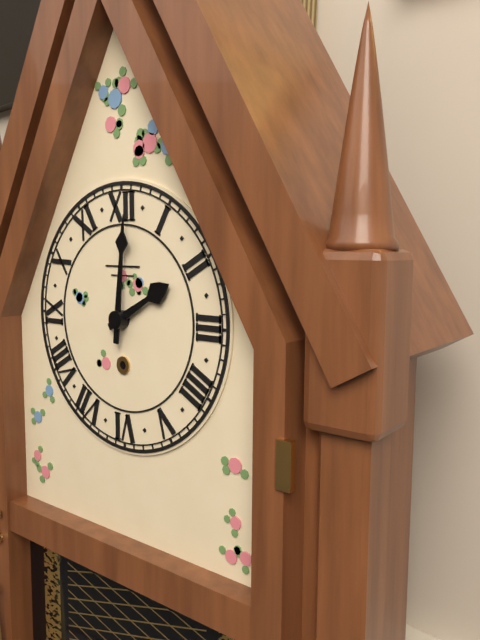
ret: **2:01**
